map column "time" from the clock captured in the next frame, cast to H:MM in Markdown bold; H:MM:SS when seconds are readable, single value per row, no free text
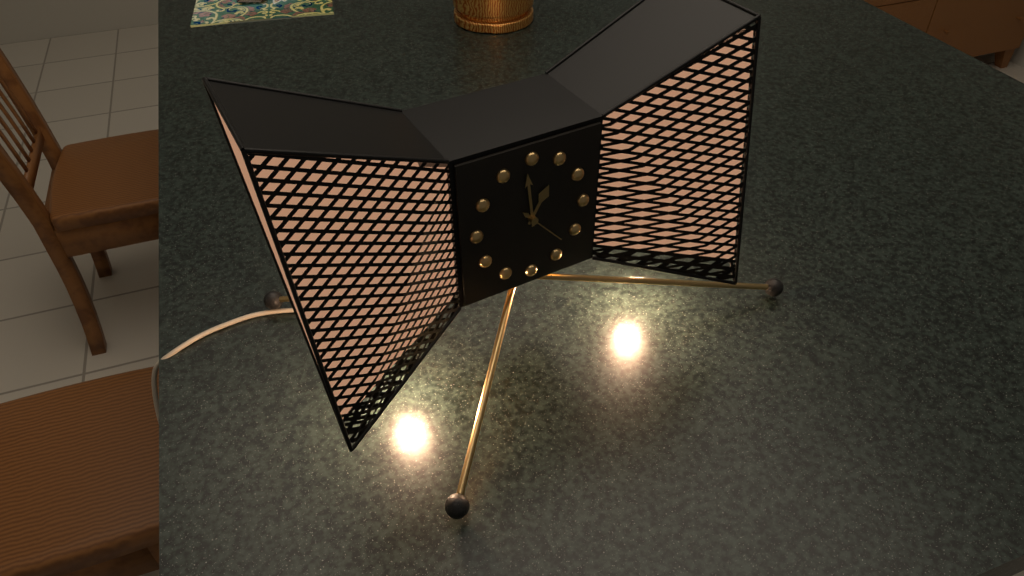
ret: **12:59**
